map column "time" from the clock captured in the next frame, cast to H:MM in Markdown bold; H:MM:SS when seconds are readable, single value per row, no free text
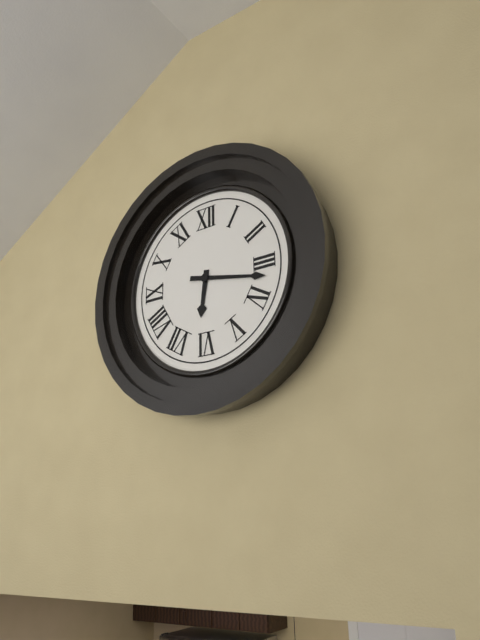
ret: **6:17**
